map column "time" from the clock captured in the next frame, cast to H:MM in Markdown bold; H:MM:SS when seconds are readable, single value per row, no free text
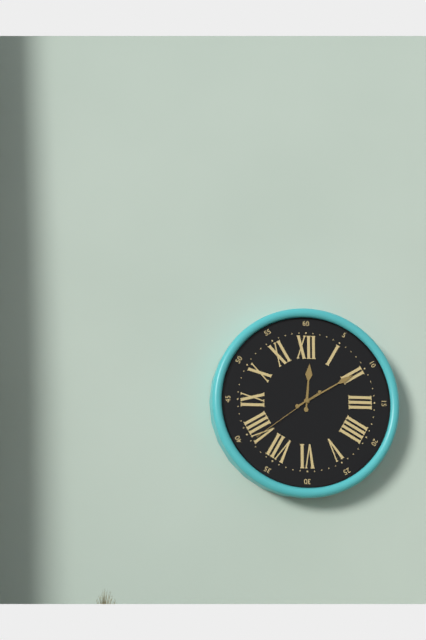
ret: **12:10:39**
